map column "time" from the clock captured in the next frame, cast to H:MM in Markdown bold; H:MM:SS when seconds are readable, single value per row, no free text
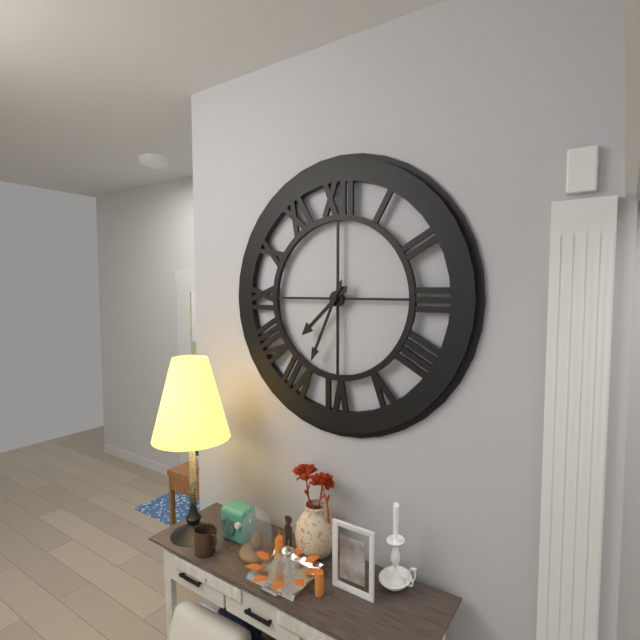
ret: **7:34**
